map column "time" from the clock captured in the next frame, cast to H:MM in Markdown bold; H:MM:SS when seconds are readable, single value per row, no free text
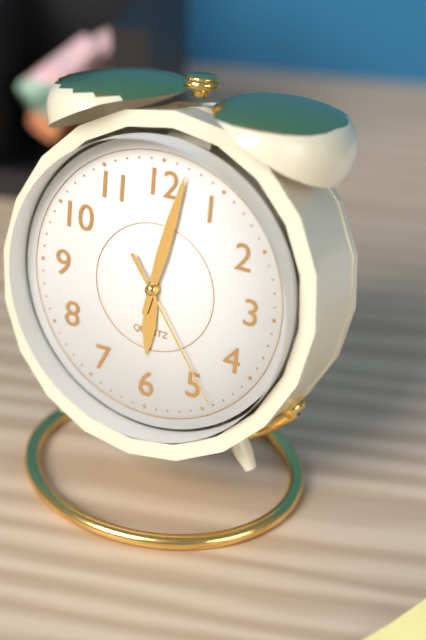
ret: **6:02:24**
